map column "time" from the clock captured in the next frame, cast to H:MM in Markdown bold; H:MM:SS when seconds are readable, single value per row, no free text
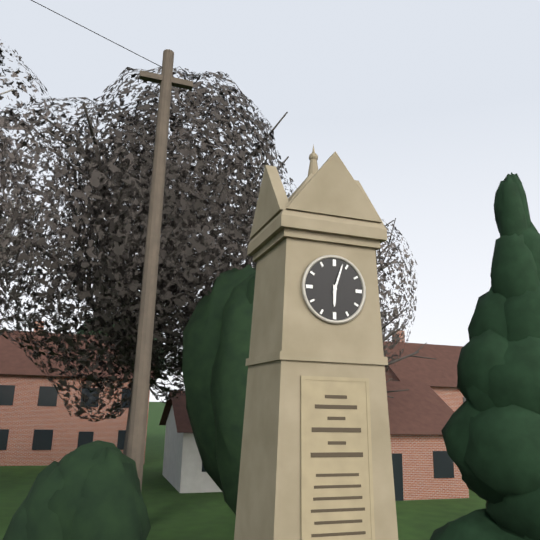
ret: **6:03**
